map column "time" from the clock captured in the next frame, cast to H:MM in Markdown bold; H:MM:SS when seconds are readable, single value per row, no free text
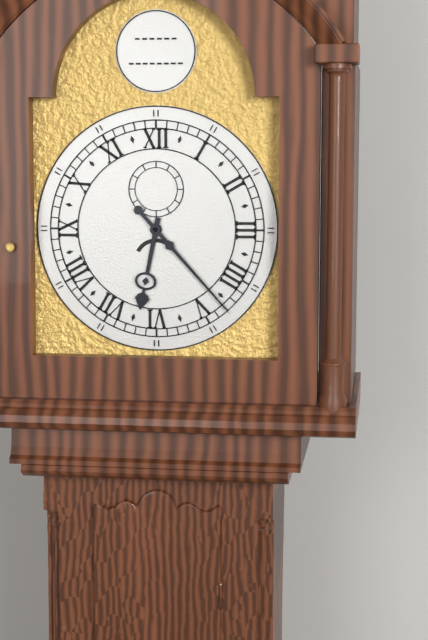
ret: **6:23**
